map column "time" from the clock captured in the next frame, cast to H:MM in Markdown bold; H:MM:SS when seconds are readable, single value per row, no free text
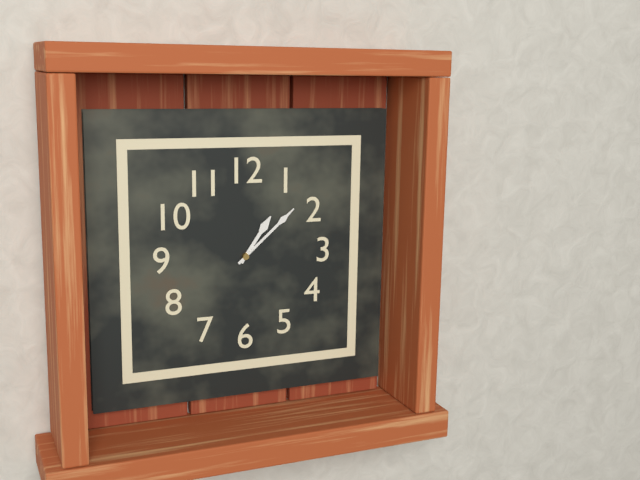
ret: **1:08**
